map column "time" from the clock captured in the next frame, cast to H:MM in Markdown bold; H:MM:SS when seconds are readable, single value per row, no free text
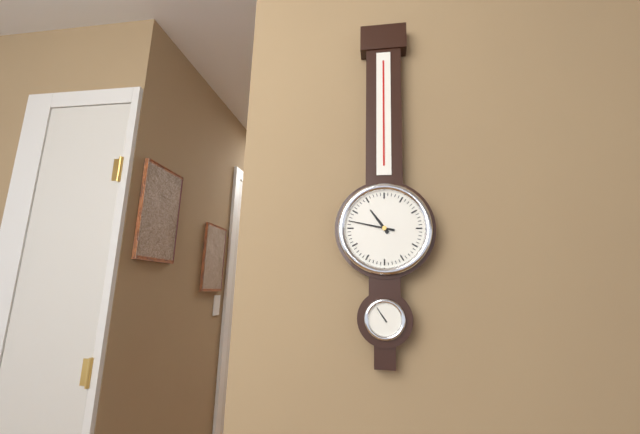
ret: **10:47**
